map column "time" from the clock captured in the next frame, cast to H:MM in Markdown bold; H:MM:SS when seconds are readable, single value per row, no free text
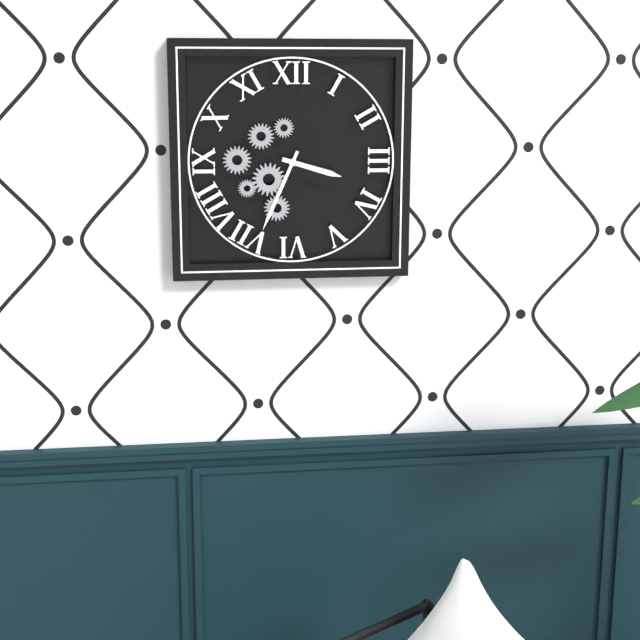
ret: **3:34**
